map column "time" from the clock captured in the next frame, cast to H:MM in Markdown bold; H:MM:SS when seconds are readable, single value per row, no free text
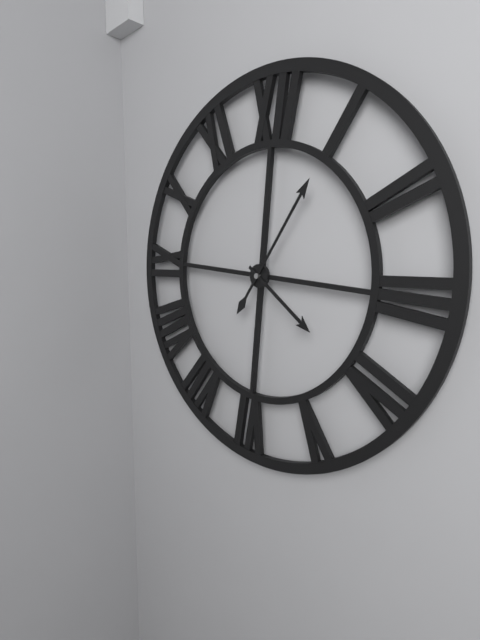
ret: **4:05**
